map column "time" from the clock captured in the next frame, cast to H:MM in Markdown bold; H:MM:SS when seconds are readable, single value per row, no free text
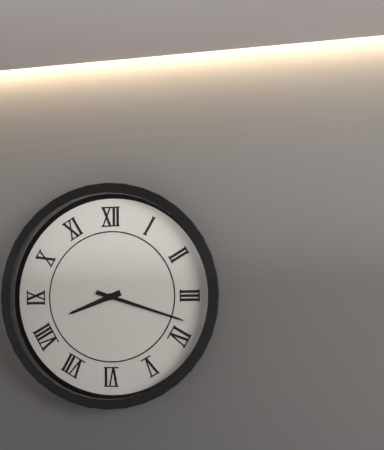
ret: **8:18**
